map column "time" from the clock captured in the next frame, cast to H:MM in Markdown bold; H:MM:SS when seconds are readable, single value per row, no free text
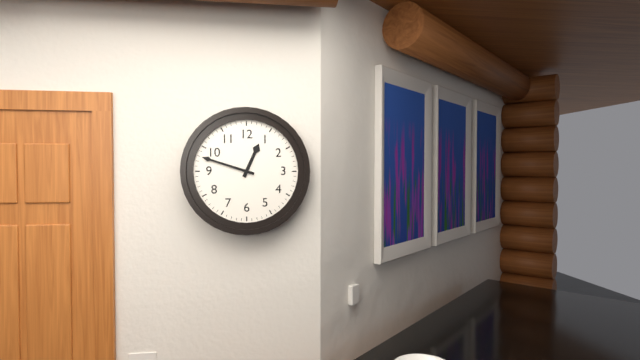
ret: **12:48**
